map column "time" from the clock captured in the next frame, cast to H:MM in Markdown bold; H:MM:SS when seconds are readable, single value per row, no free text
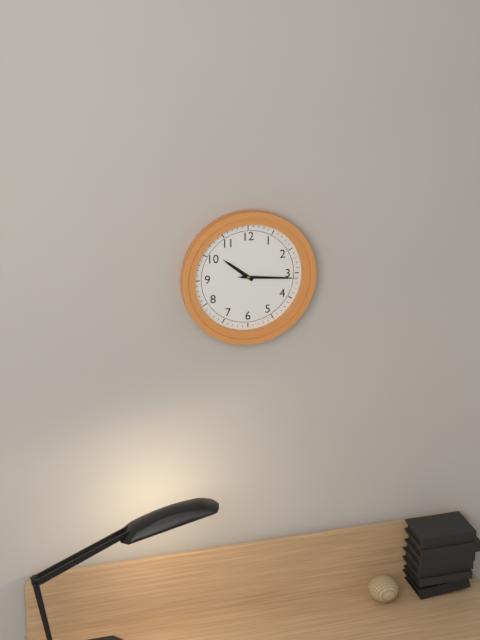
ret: **10:16:16**
